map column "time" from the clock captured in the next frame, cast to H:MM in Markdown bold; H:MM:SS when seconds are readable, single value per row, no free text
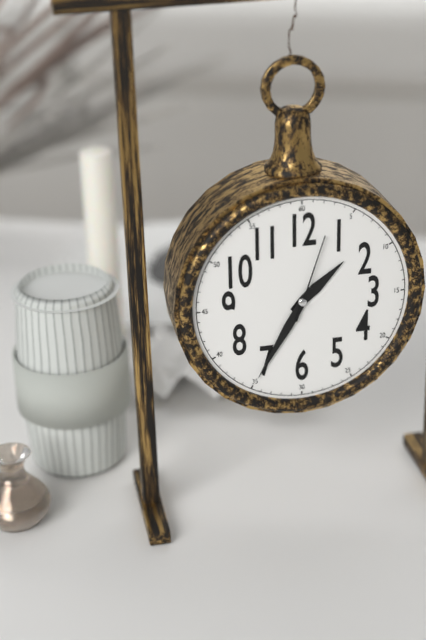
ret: **1:35:03**
